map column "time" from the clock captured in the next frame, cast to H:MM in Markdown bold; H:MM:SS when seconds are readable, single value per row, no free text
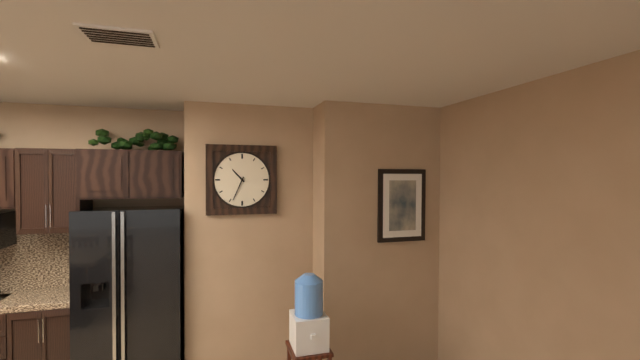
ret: **10:34**
